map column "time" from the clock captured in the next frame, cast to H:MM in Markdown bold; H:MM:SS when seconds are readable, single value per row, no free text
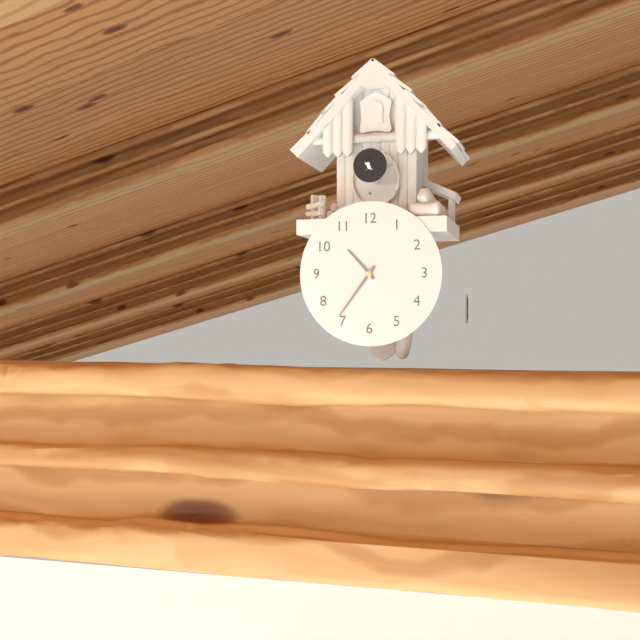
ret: **10:36**
